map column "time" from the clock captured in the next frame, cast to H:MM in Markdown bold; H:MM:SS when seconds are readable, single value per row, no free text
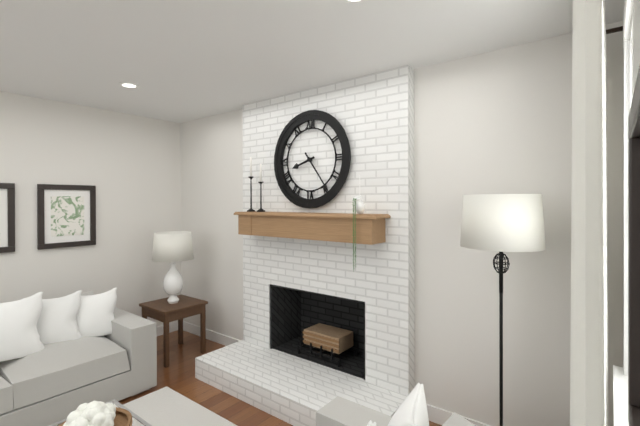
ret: **8:24**
